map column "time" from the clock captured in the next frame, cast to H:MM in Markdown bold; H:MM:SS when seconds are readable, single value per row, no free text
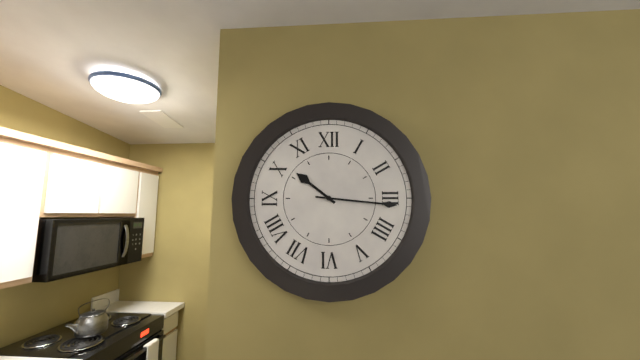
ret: **10:16**
